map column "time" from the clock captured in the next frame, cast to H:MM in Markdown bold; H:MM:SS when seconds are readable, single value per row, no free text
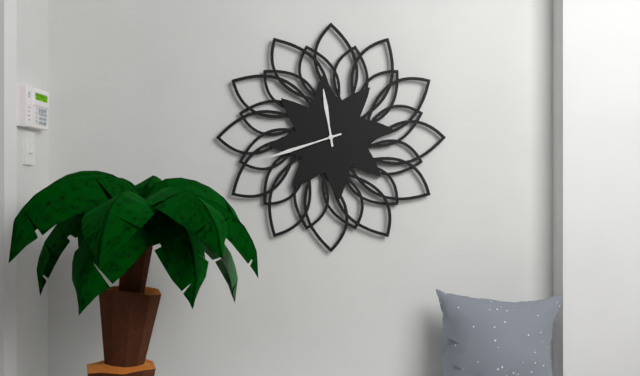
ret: **11:42**
